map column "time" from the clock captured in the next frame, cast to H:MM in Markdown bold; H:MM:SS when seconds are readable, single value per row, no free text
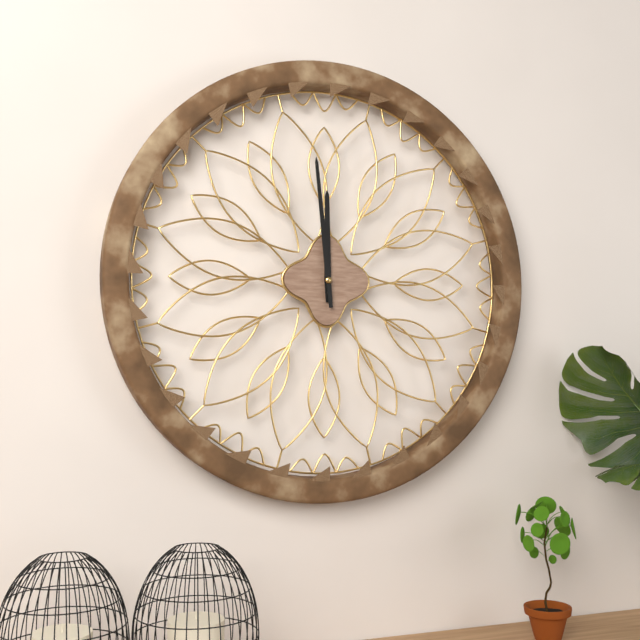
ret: **11:59**
